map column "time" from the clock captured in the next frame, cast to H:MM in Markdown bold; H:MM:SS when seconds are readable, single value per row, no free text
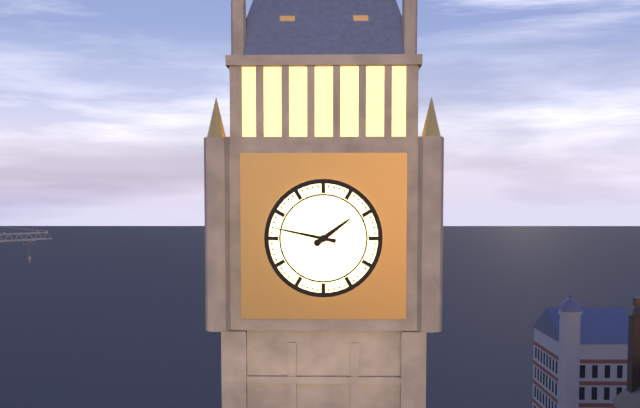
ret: **1:47**
